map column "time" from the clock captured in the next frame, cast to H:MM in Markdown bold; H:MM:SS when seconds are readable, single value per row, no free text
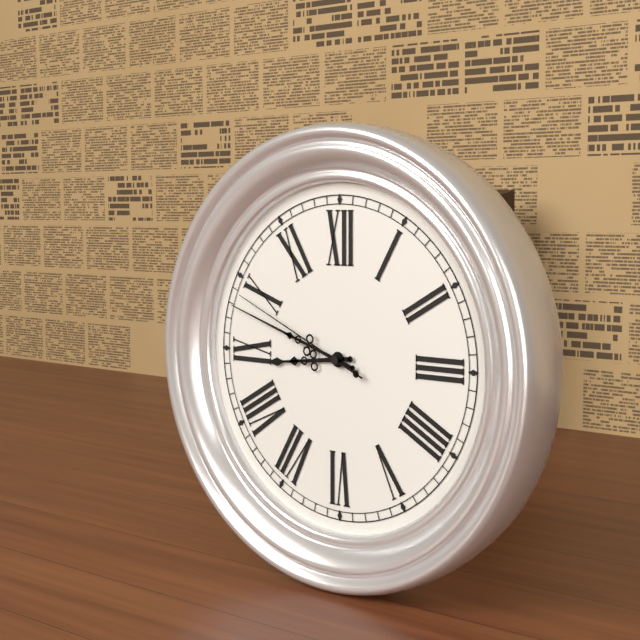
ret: **8:48:49**
